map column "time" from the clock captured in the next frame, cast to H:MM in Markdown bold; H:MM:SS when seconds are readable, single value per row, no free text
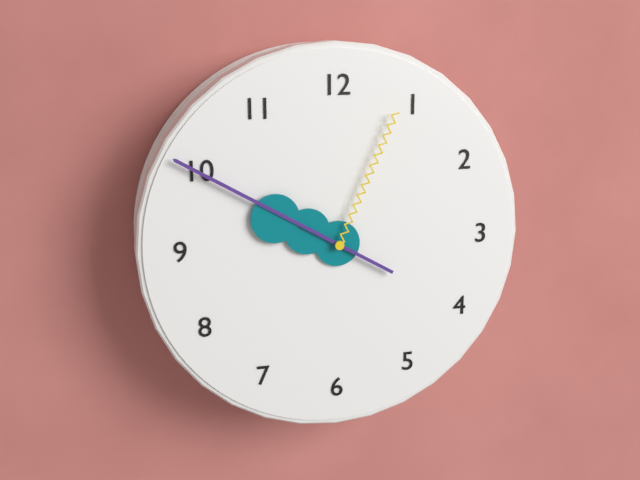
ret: **9:50:04**
